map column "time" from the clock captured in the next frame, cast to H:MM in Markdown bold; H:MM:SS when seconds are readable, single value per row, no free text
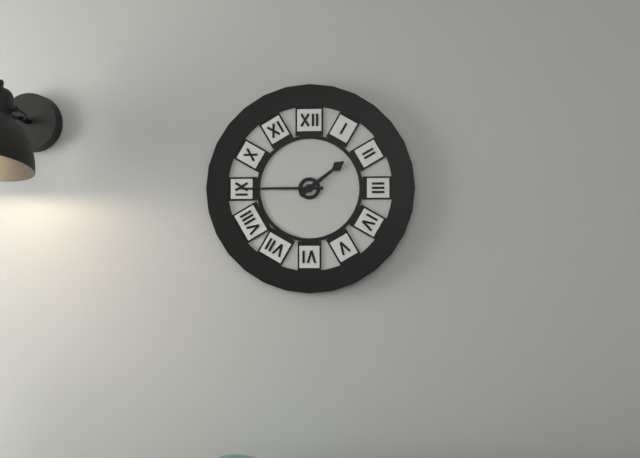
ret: **1:45**
